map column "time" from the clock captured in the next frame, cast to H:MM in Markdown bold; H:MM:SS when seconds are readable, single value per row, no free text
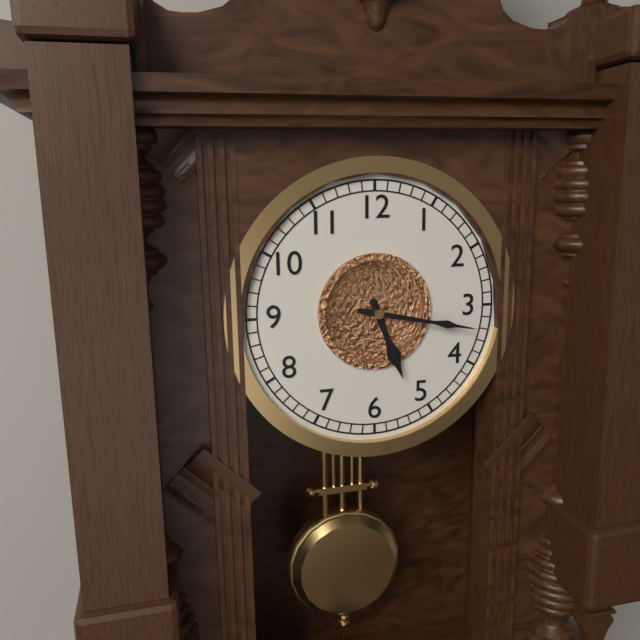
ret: **5:17**
